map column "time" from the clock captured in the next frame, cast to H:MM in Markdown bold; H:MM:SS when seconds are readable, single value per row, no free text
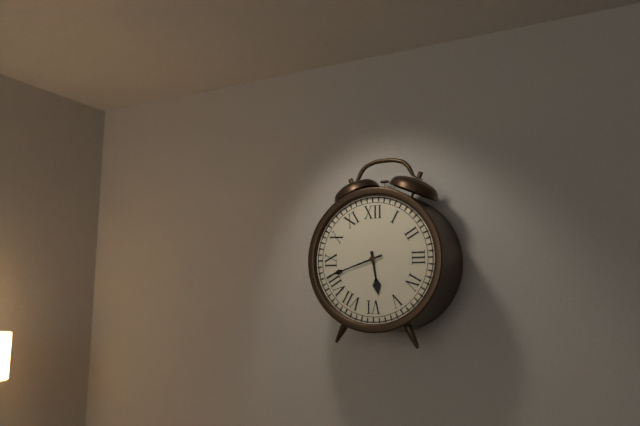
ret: **5:42**
